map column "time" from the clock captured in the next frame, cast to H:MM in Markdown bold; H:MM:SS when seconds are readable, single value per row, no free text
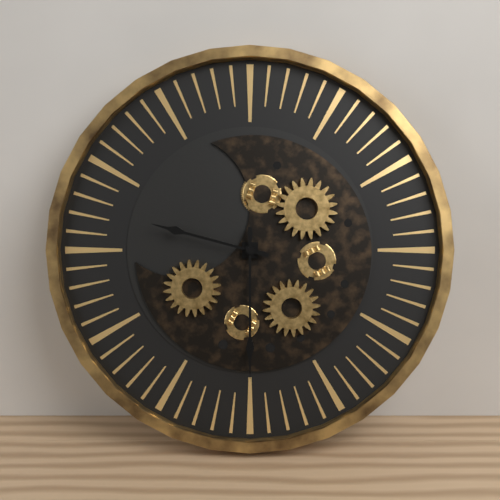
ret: **9:30**
